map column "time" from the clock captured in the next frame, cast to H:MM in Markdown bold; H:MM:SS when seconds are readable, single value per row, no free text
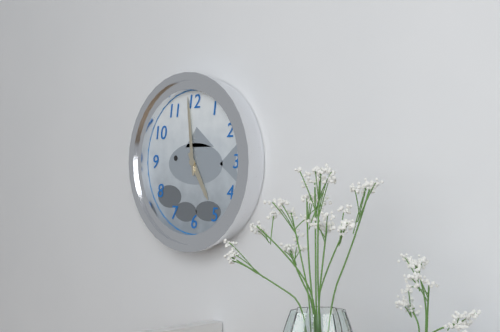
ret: **4:59**
